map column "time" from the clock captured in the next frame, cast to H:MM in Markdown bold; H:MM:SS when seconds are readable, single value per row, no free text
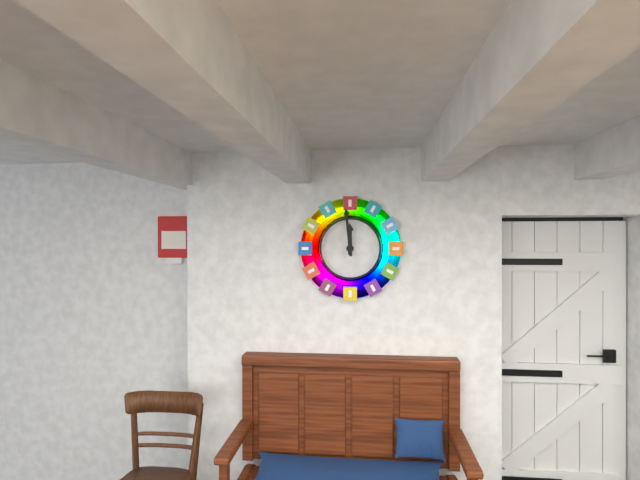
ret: **11:59**
